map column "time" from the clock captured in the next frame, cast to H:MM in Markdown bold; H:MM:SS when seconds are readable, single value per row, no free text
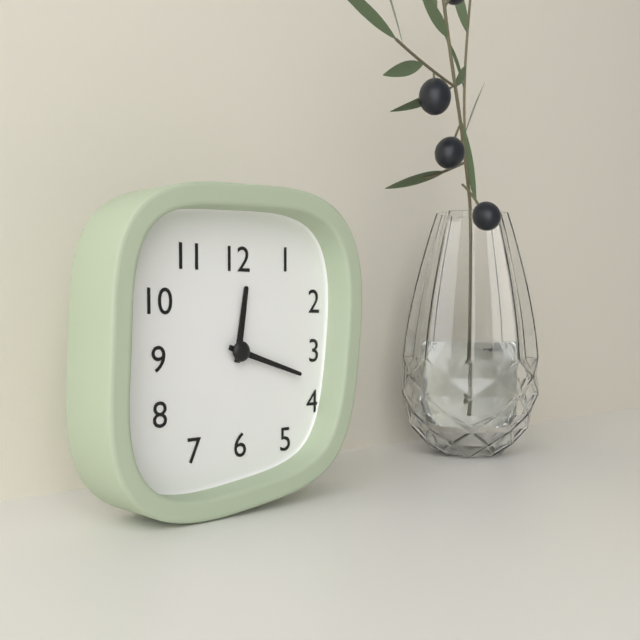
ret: **12:18**
